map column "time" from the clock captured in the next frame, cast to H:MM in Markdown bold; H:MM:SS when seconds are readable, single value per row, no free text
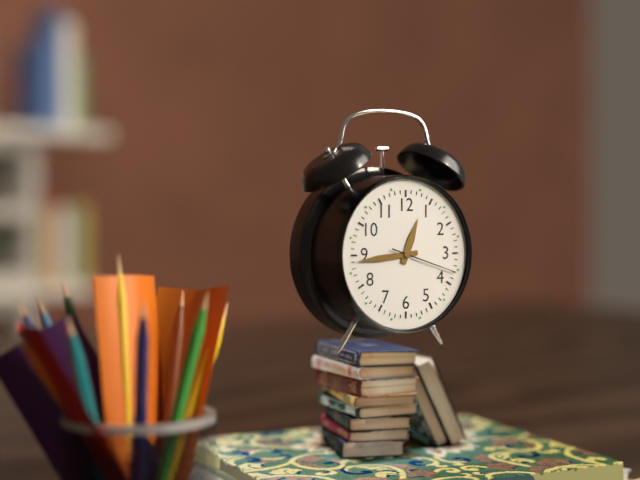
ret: **12:44:18**
